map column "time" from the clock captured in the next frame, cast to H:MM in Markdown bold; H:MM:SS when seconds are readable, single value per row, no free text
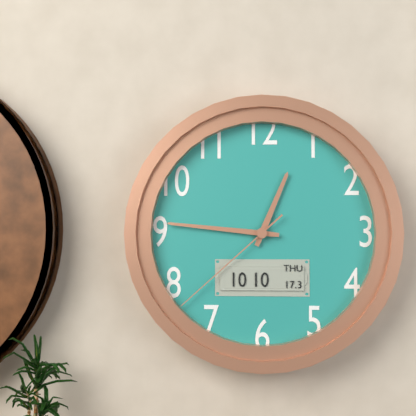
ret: **12:46:38**
